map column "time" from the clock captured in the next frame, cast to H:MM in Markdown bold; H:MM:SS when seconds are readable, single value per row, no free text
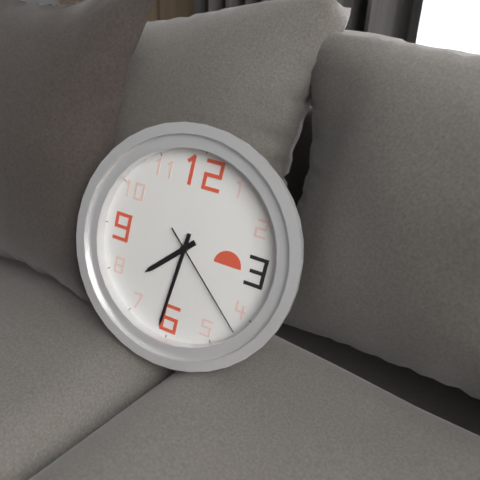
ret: **7:31:22**
